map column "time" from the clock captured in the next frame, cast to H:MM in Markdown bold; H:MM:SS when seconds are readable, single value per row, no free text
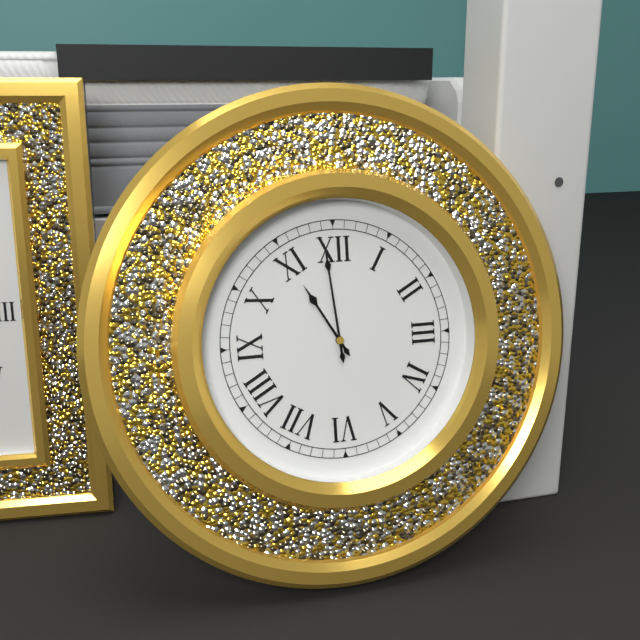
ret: **10:59**
